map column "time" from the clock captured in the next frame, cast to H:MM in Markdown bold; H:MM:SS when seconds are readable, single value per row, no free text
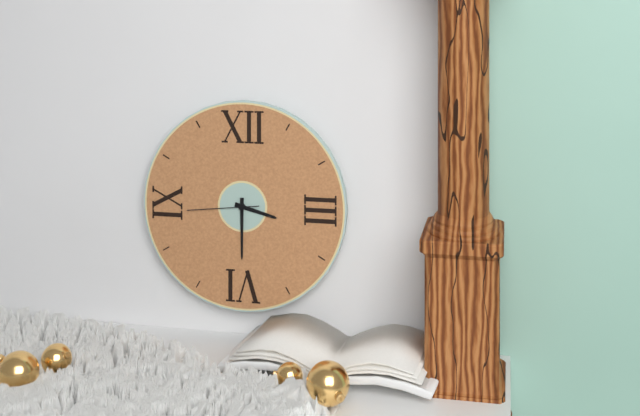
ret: **3:30:44**
